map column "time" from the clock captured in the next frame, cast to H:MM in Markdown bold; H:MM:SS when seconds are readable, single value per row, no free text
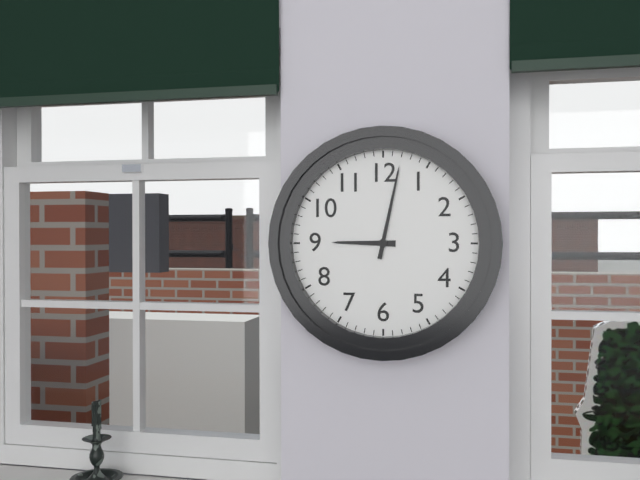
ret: **9:02**
